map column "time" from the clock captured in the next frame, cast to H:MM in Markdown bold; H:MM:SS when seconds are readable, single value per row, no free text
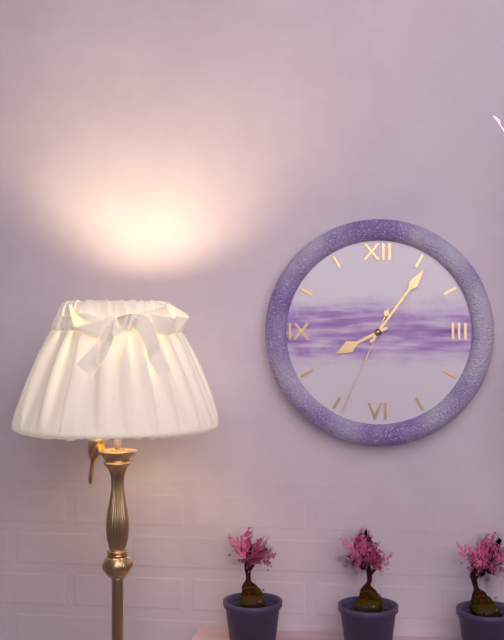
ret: **8:06:34**
